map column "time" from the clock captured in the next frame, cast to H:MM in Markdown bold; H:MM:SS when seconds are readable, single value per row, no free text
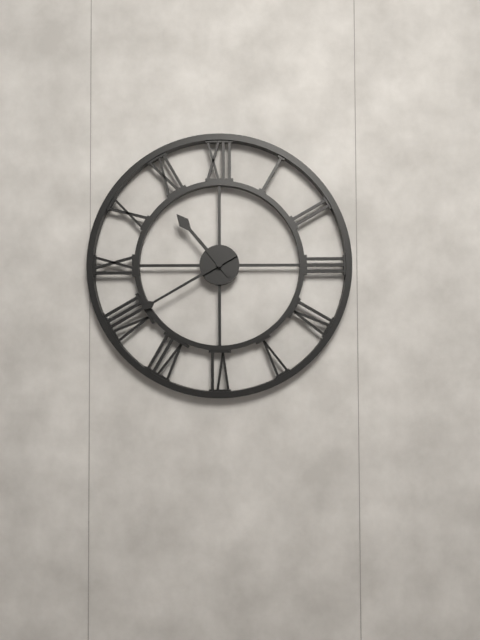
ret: **10:40**
